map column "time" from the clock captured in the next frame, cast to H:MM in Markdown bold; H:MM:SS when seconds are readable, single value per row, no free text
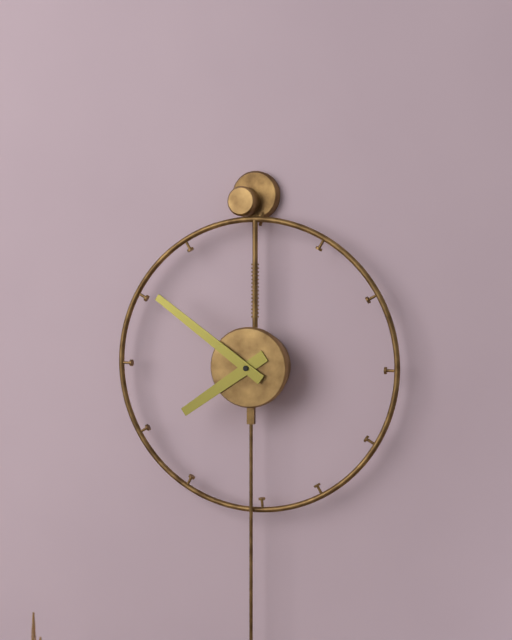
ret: **7:51**
